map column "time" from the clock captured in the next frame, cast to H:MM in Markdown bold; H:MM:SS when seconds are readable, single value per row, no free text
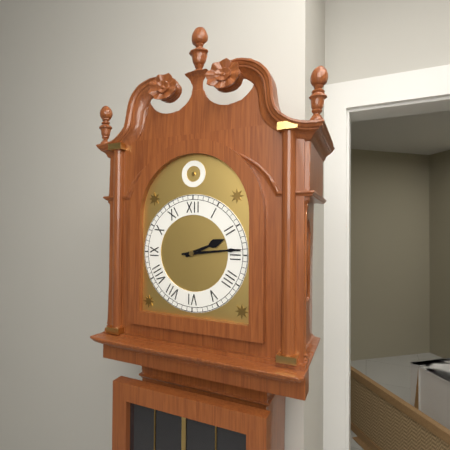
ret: **2:14**
